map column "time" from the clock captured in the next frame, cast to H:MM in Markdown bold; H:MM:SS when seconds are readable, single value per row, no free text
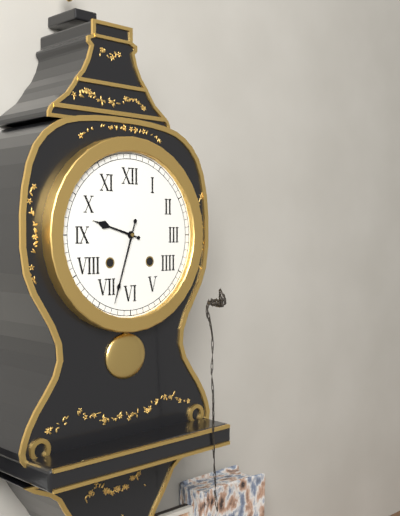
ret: **9:33**
